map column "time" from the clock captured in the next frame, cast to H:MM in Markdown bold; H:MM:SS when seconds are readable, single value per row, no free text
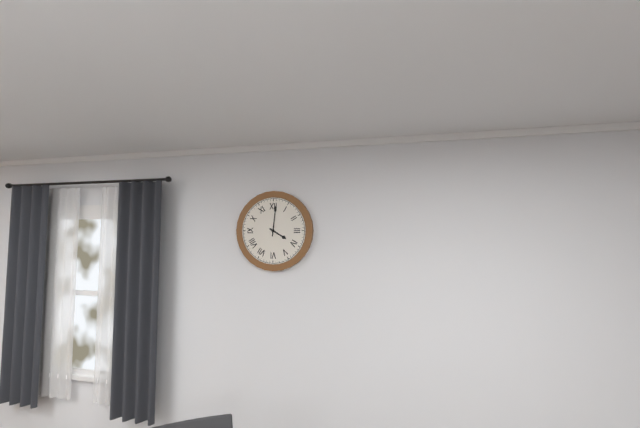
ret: **4:01**
